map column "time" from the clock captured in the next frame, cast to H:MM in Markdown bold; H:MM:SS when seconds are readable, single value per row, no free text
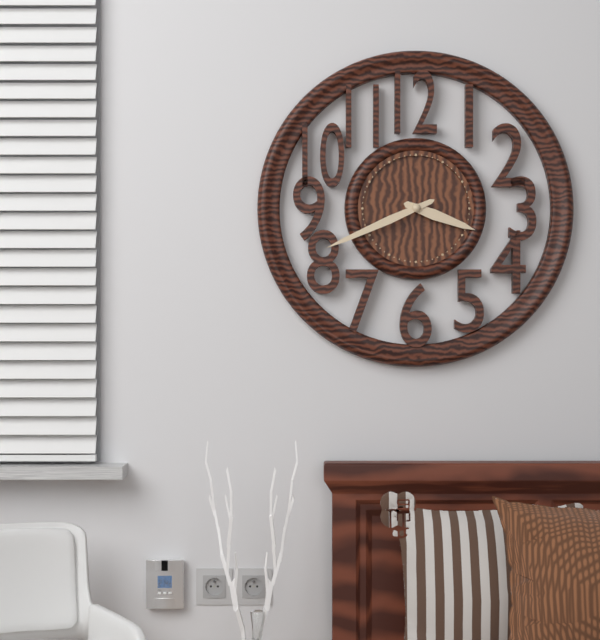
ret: **3:41**
